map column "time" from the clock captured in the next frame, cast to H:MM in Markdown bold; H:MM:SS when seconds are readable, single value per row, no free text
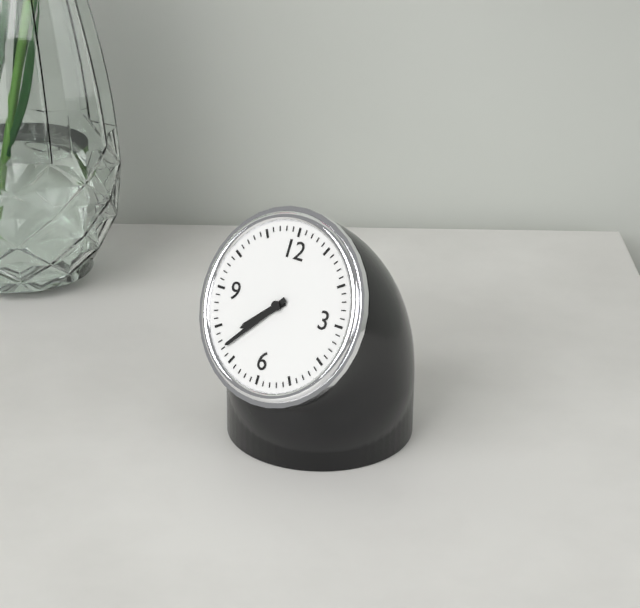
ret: **7:37**
